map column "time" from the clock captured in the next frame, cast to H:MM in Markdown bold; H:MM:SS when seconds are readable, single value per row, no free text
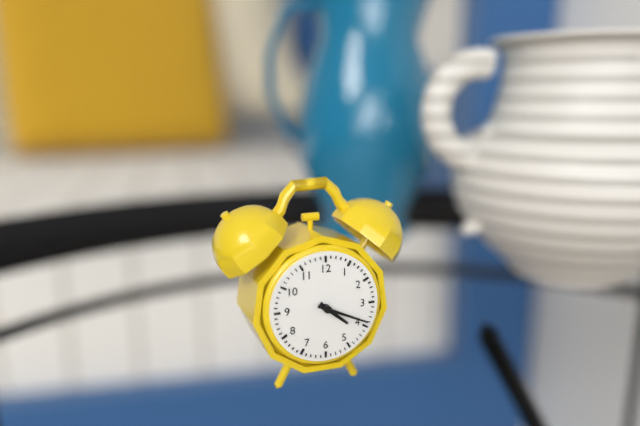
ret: **4:19**
